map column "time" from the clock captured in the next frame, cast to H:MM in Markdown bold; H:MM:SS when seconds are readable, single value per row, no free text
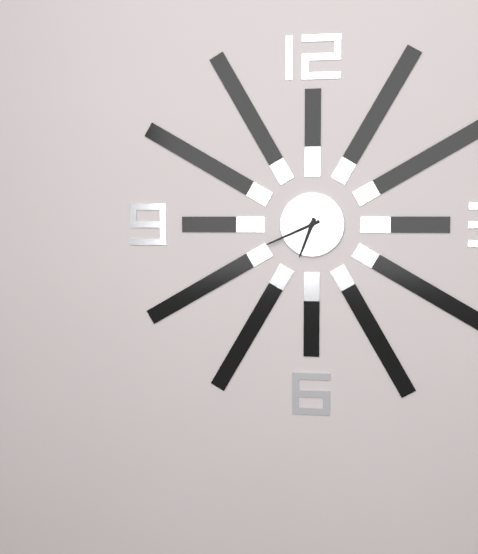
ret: **6:41**
